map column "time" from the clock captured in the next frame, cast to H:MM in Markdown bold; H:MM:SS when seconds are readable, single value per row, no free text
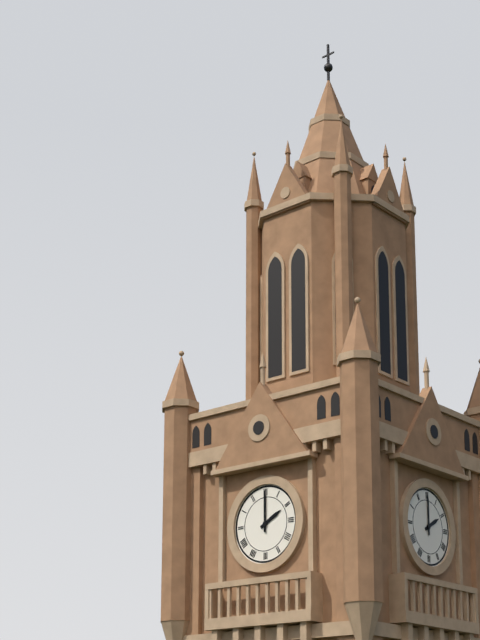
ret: **2:00**
